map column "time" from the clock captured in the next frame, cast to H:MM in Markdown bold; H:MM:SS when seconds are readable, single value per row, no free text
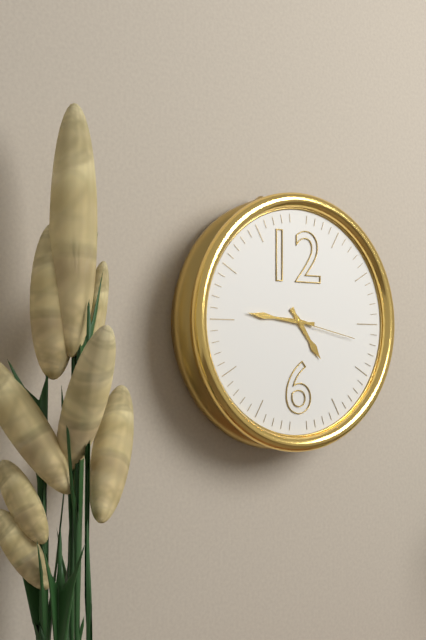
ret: **4:46:17**
